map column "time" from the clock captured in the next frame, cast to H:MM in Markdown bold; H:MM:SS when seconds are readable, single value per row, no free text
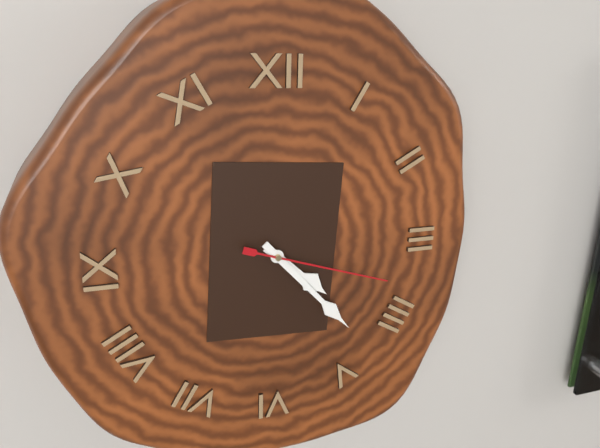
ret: **4:23:18**
